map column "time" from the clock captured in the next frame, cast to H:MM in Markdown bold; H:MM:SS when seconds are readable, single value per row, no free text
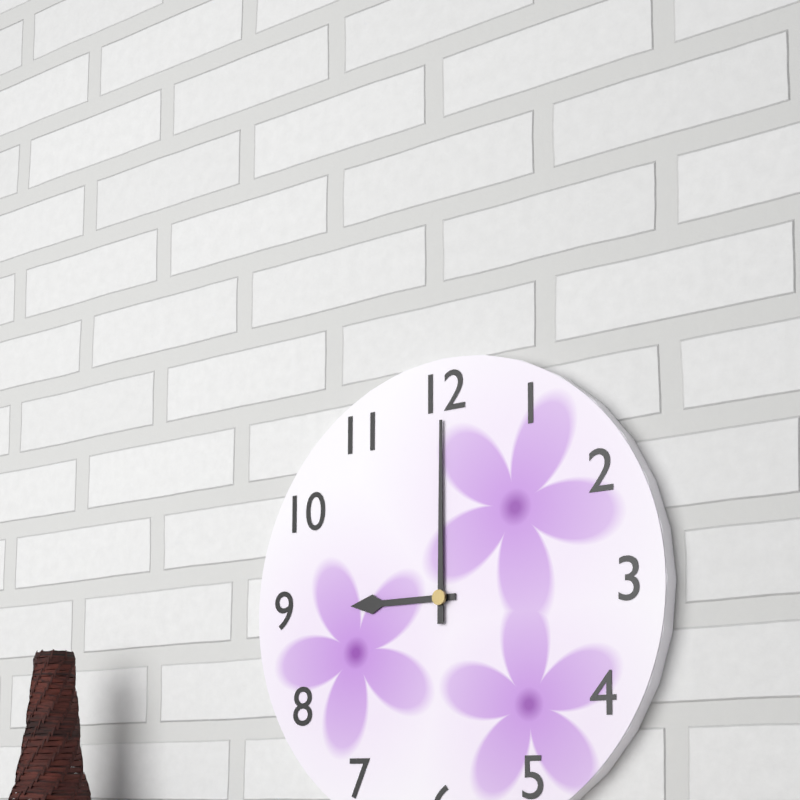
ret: **9:00**
